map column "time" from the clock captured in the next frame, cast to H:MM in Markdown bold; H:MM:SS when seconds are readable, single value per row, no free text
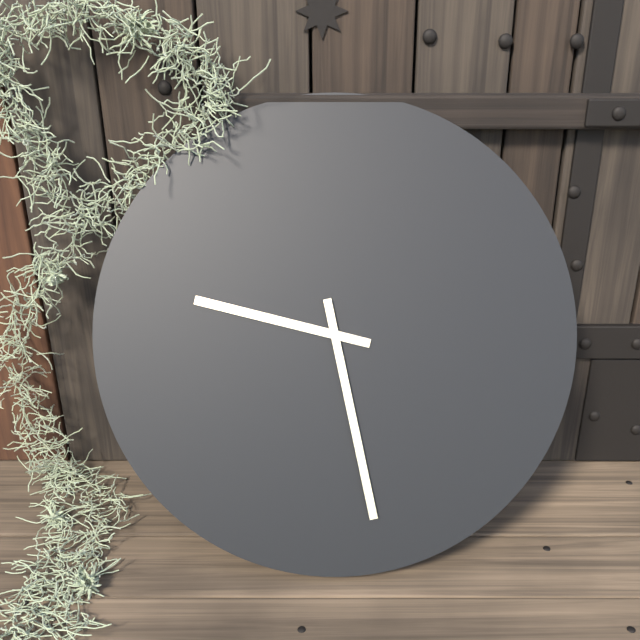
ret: **9:28**
